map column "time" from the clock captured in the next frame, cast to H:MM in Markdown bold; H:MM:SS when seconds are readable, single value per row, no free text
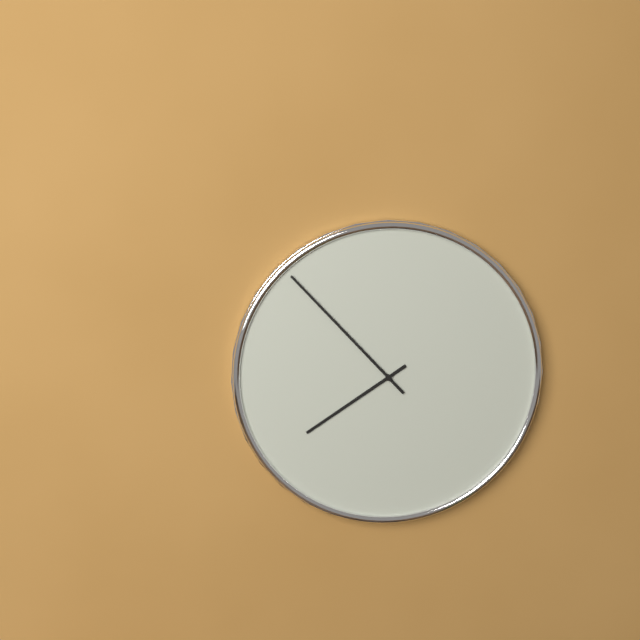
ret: **7:53**
